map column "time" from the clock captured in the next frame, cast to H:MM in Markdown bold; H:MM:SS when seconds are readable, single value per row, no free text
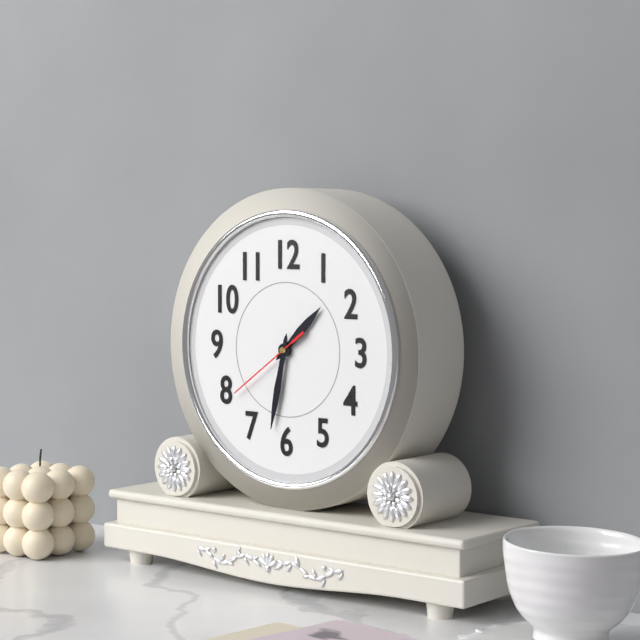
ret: **1:32:39**
